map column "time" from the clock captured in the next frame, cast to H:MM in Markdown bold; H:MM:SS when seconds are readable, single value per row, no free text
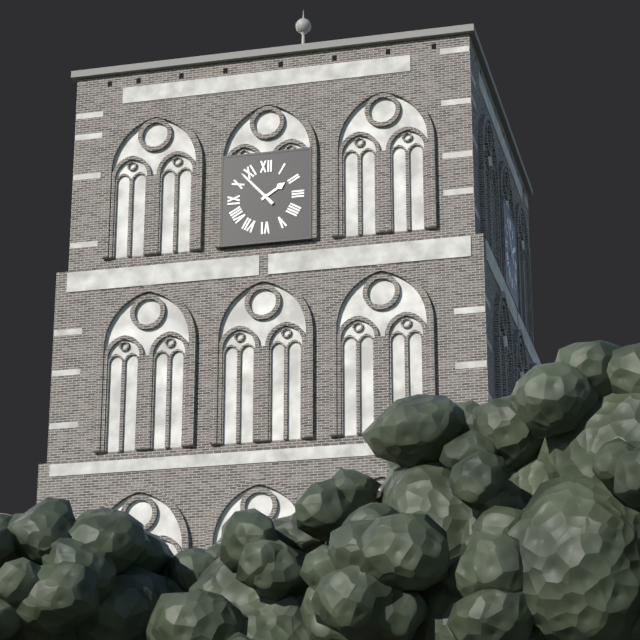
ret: **1:53**
